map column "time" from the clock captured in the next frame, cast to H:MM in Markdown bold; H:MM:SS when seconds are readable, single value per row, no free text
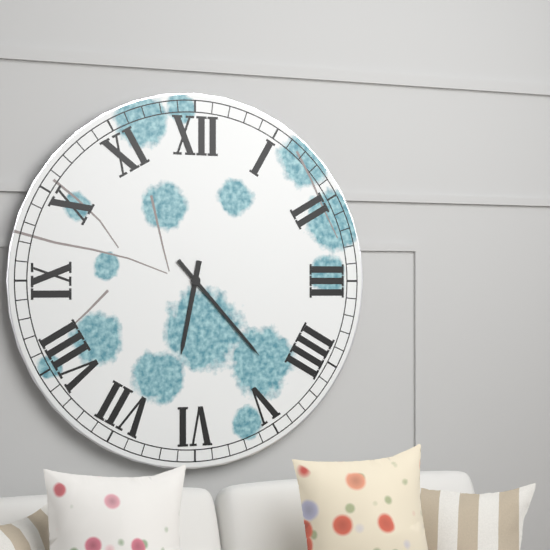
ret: **6:23**
